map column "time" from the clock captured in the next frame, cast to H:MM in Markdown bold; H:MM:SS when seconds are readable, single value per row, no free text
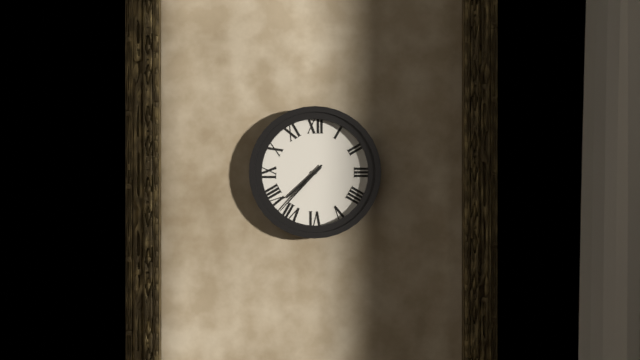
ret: **7:37**
